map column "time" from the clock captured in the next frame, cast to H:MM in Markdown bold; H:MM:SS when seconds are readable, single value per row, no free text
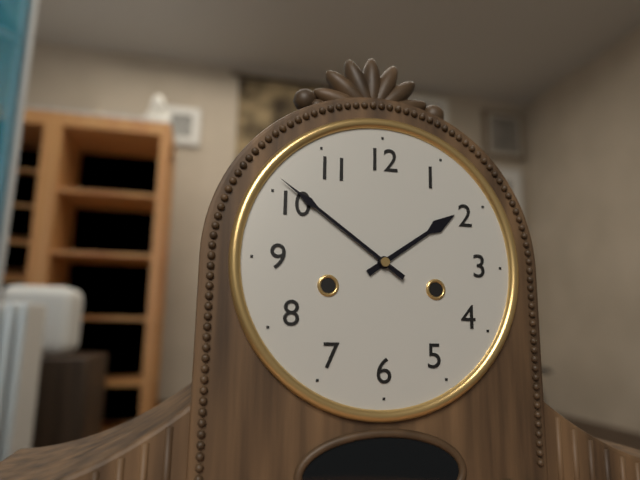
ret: **1:51**
